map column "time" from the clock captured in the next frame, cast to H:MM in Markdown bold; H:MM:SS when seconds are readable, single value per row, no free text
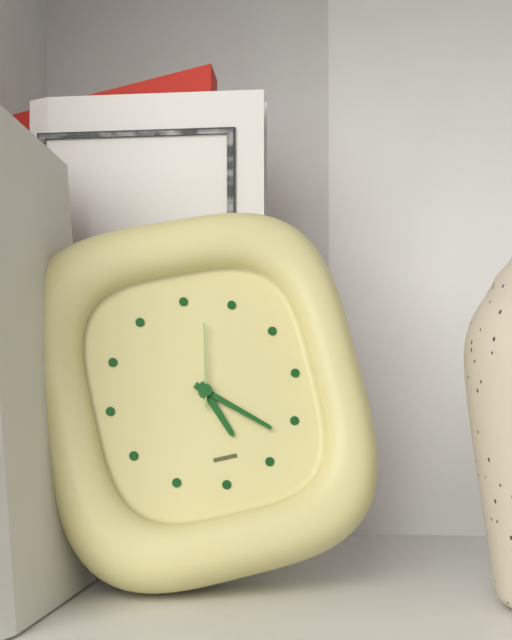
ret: **5:22:02**
